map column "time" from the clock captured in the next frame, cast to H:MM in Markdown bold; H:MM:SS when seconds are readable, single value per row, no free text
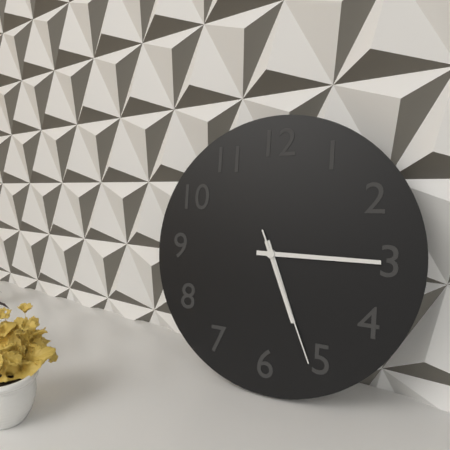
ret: **5:15:26**
